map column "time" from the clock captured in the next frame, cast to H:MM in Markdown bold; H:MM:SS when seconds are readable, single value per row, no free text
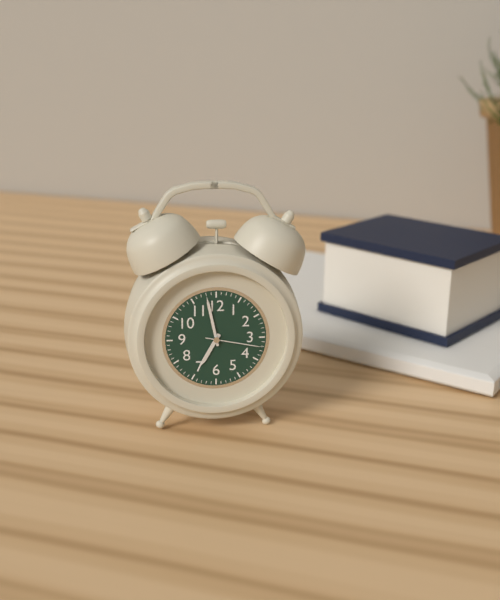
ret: **6:58:17**
